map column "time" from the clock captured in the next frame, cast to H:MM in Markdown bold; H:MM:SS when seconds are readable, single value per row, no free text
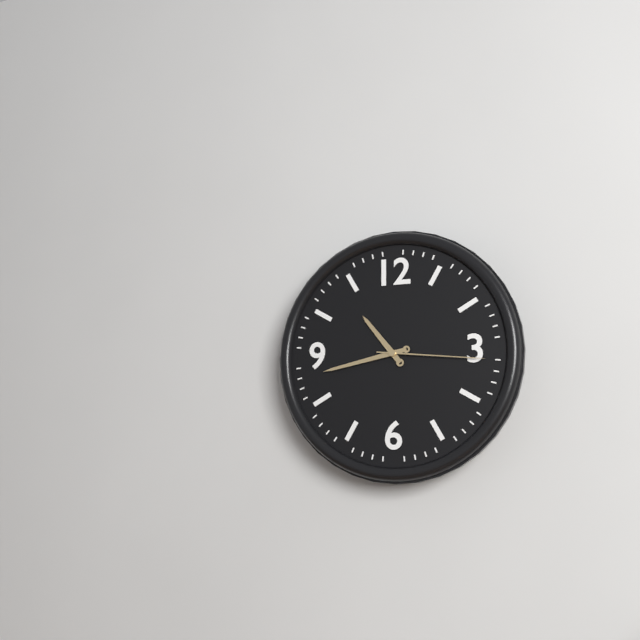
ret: **10:43:16**
